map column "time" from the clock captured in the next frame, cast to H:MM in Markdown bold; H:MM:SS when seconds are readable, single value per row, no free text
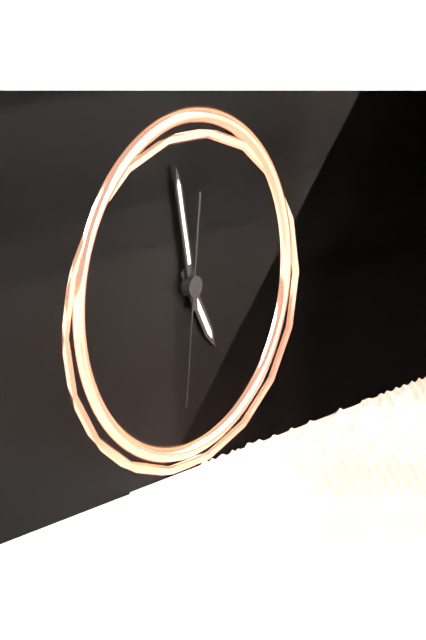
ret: **4:58:31**
